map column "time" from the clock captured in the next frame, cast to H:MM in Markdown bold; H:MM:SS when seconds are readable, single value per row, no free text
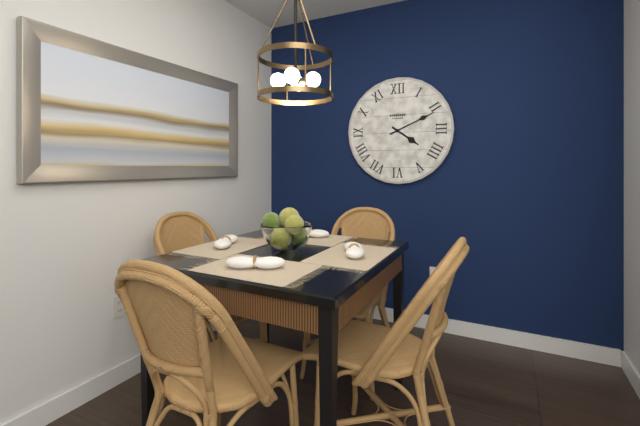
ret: **4:11**
